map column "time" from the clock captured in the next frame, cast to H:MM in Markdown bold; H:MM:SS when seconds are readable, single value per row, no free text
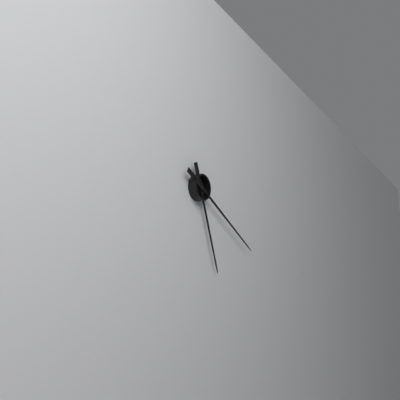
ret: **5:20**
